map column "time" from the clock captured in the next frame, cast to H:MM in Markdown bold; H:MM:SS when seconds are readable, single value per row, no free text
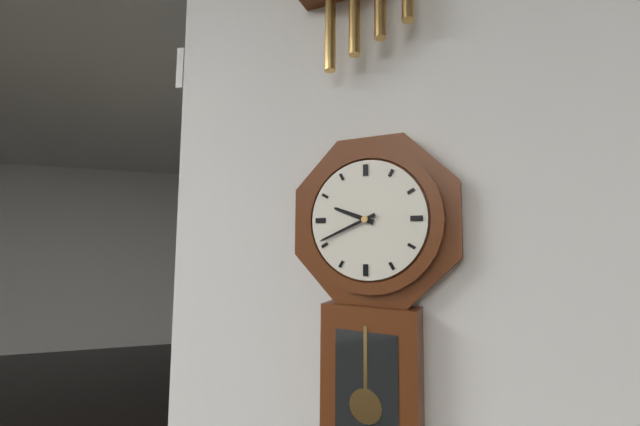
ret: **9:41**
